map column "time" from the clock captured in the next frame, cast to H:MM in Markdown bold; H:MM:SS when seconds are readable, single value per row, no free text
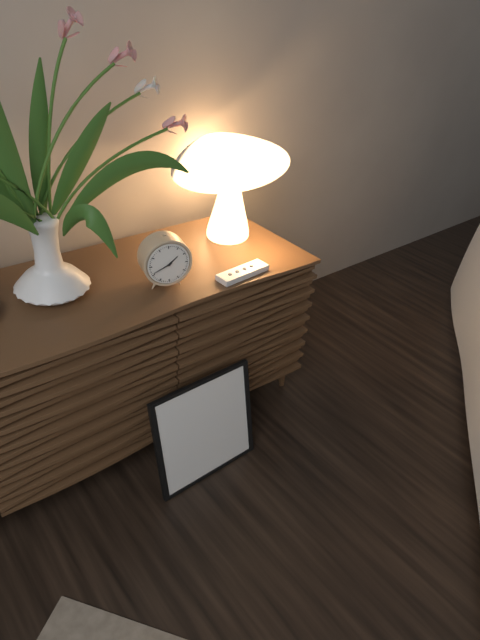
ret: **1:41**
